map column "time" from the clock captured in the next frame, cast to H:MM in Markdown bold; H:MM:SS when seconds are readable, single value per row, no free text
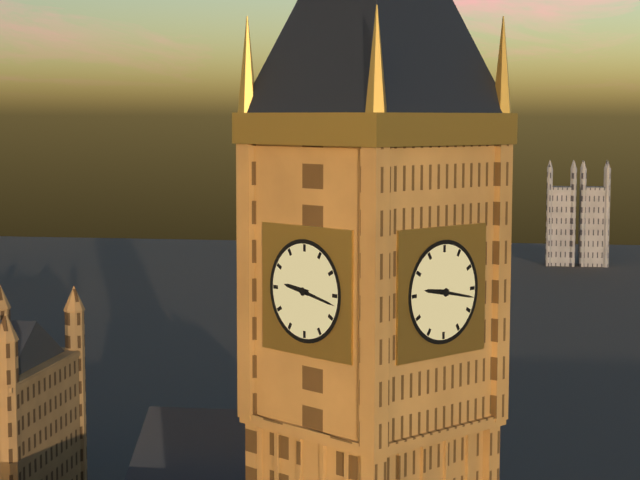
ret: **9:17**
